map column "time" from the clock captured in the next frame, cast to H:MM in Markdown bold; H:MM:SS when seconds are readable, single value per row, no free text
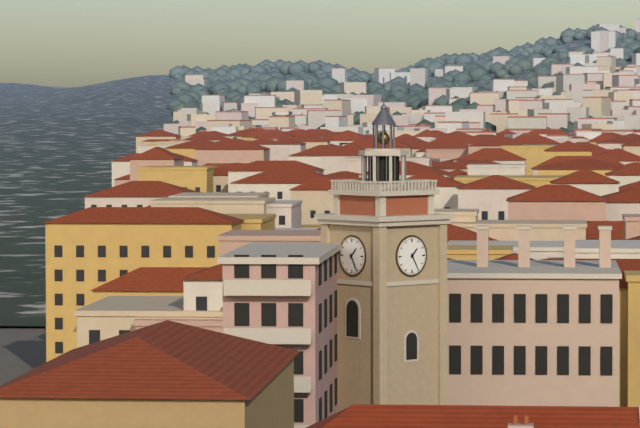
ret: **1:25**
